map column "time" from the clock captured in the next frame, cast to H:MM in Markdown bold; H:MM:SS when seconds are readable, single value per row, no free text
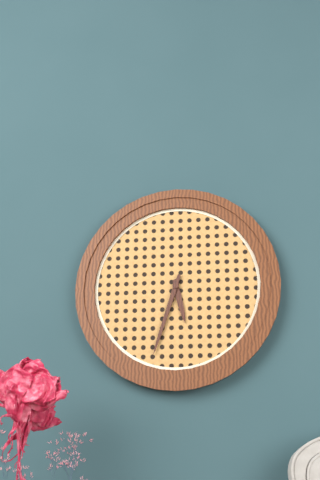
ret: **5:33**
